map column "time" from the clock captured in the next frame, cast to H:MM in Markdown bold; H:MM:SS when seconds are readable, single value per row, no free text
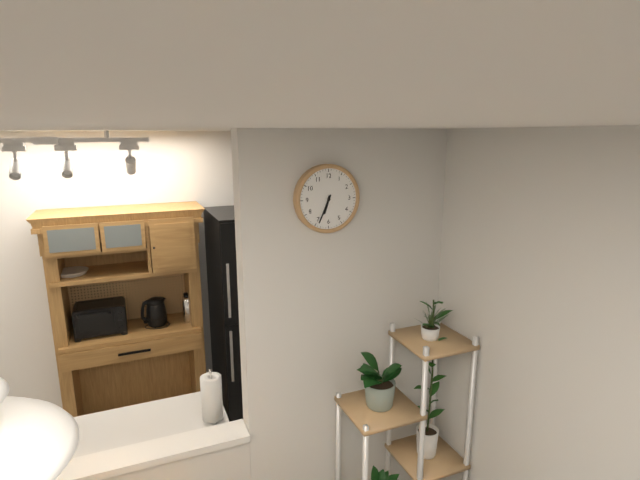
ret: **6:34**
